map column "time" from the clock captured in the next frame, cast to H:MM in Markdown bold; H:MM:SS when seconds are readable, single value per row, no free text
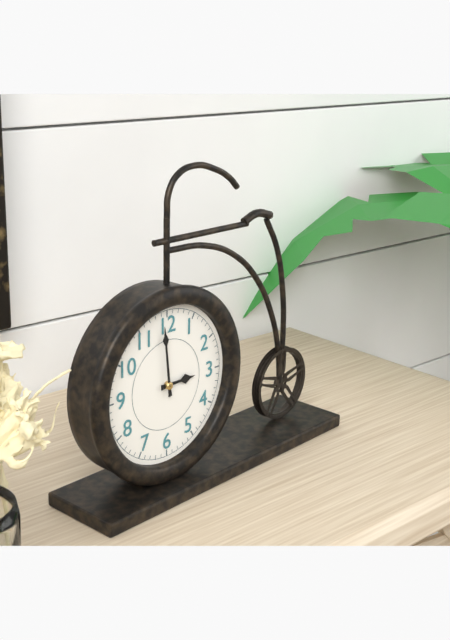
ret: **2:59**
